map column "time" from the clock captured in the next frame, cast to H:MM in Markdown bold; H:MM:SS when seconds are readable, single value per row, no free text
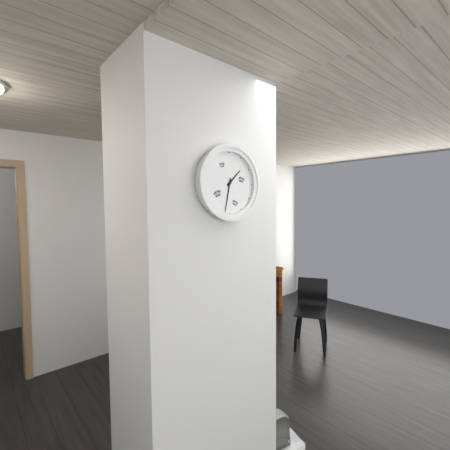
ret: **1:32**
